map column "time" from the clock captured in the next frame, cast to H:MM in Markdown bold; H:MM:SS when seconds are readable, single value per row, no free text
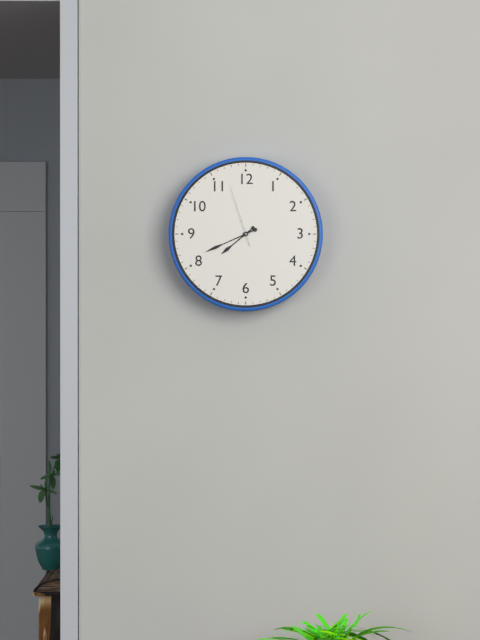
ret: **7:41:57**
